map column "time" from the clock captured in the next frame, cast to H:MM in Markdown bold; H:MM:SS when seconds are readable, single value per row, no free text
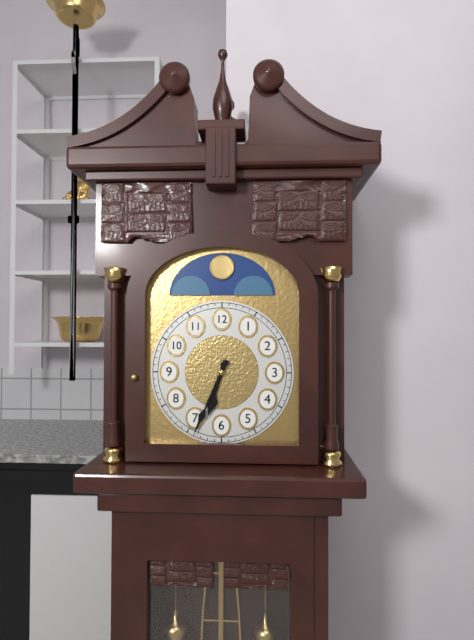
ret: **6:34**
